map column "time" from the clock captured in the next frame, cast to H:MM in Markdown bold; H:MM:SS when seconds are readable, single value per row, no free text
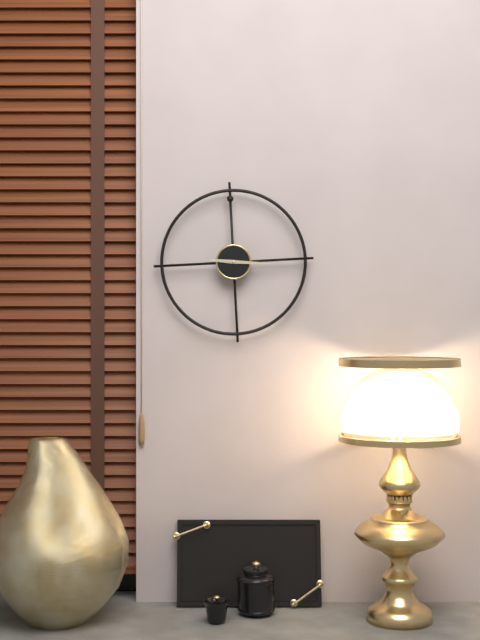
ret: **9:16**
